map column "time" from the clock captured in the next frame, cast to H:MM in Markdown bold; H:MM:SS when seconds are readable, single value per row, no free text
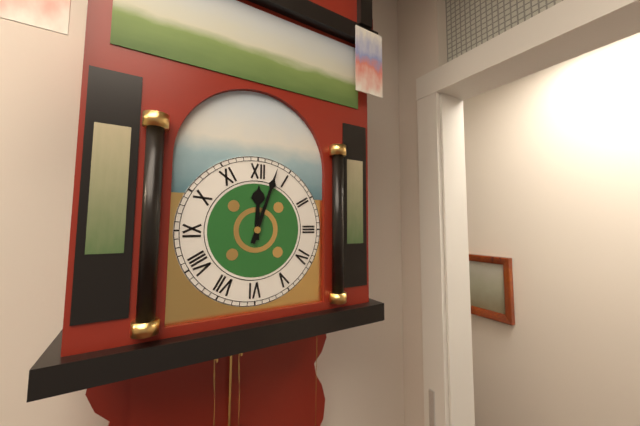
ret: **12:03**
